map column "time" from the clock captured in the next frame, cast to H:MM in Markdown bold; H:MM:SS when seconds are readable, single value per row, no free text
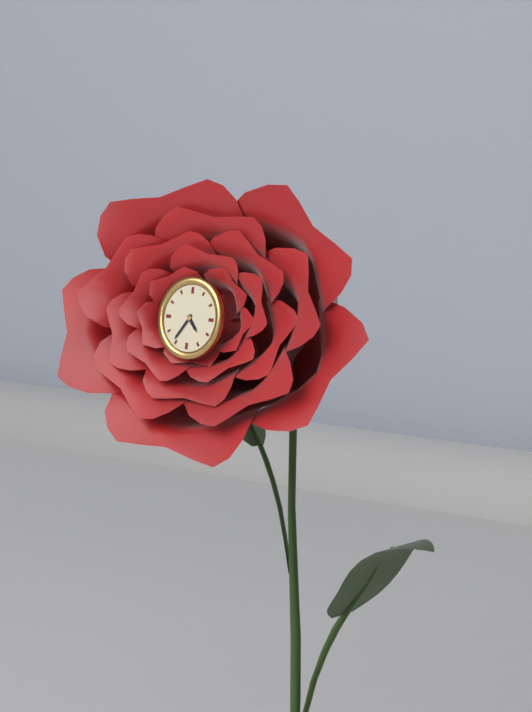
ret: **4:36**
